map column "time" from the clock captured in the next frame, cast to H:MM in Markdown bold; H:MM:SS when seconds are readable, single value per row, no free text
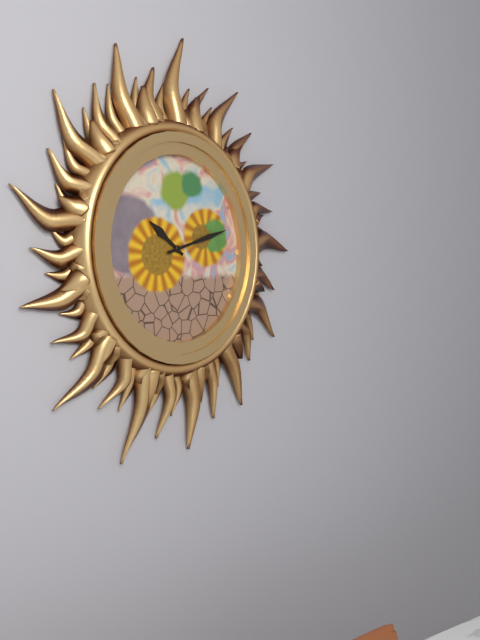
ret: **10:12**
